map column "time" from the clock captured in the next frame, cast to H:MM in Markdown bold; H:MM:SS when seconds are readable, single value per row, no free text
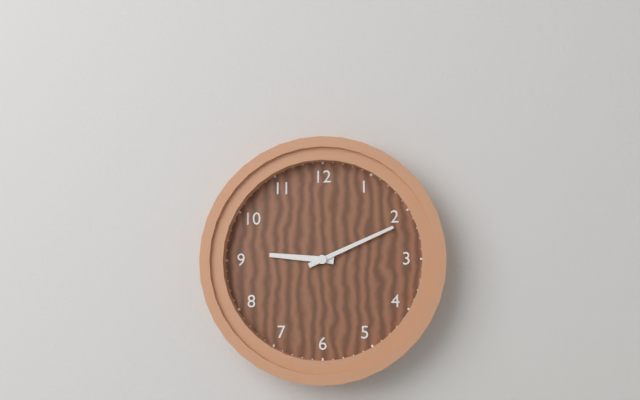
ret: **9:11**
